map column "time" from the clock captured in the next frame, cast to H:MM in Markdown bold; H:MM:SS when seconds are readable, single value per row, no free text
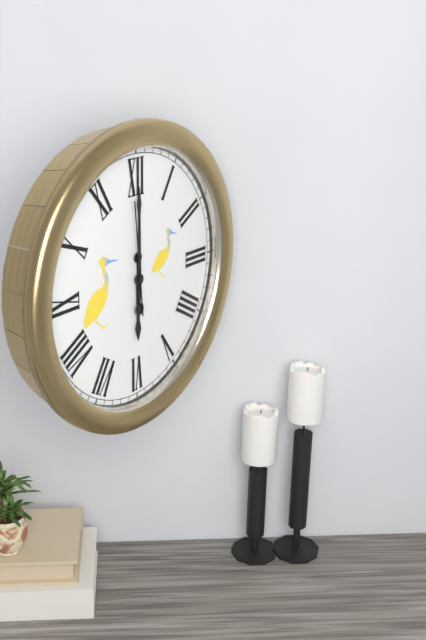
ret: **6:00:59**
